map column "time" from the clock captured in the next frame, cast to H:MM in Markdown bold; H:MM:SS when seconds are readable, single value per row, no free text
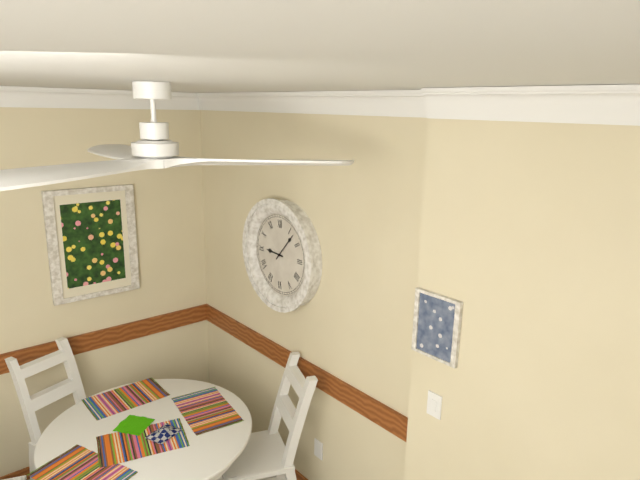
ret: **9:07**
